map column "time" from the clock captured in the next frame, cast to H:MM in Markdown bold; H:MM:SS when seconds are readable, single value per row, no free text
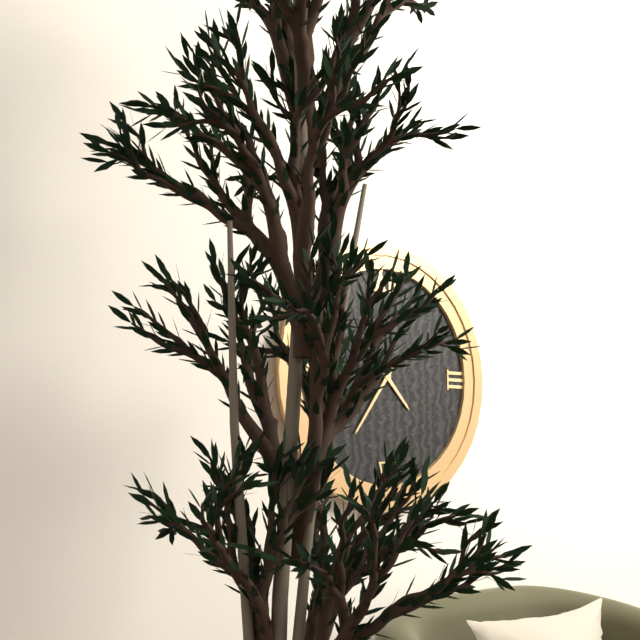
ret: **4:36**
